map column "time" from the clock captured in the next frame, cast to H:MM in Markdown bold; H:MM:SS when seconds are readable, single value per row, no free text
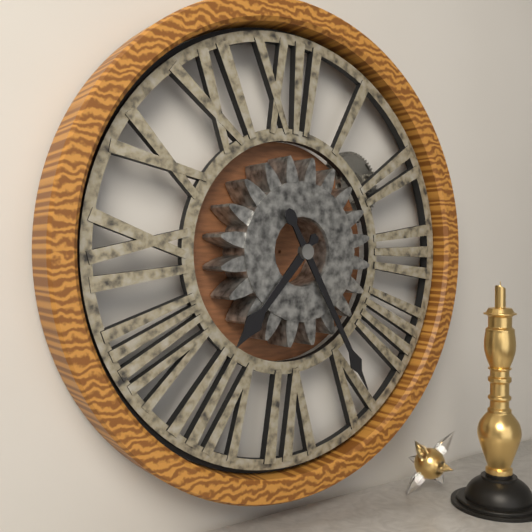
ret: **7:25**
